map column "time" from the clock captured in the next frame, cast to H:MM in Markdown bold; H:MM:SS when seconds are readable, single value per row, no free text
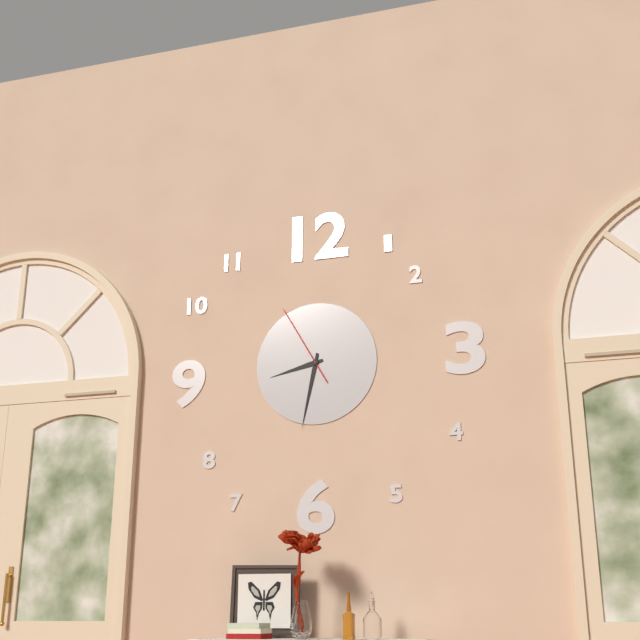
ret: **8:32:55**
